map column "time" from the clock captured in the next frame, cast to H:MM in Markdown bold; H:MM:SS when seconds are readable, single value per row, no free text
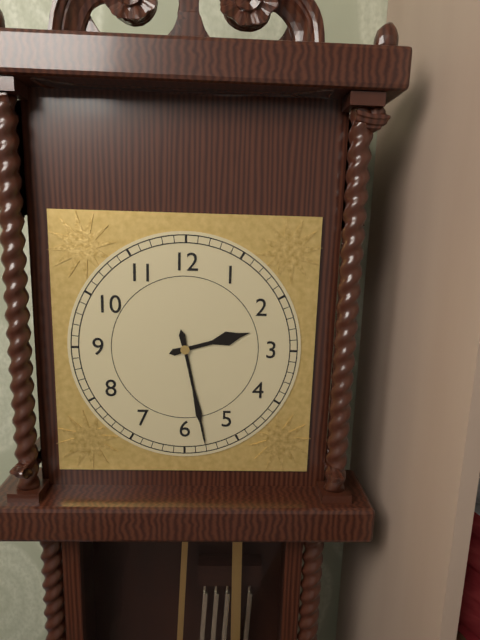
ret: **2:28**
